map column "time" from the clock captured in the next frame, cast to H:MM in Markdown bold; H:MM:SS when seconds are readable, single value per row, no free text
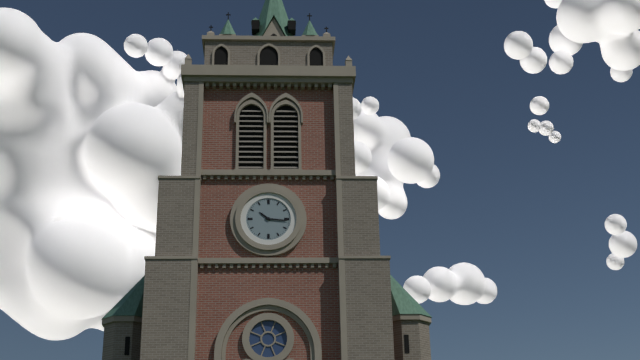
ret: **10:16**
